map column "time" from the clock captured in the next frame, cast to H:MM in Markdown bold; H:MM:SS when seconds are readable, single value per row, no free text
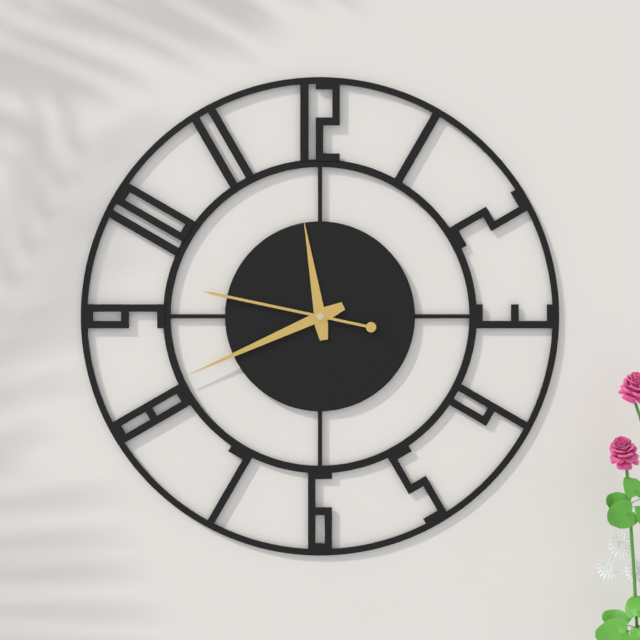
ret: **11:41:47**
